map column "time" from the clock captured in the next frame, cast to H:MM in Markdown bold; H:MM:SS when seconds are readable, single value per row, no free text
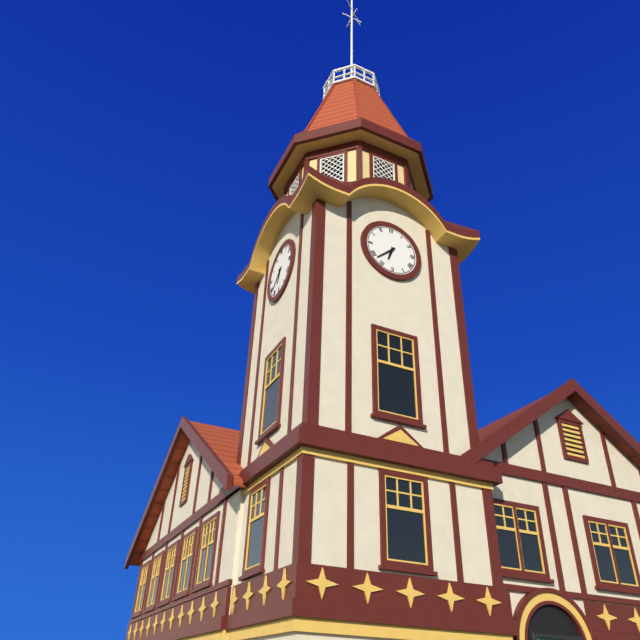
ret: **6:38**
